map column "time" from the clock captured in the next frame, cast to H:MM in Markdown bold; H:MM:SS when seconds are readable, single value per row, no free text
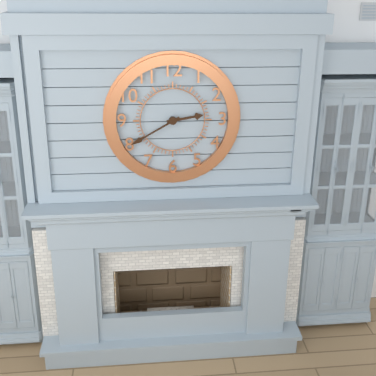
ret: **2:40**
